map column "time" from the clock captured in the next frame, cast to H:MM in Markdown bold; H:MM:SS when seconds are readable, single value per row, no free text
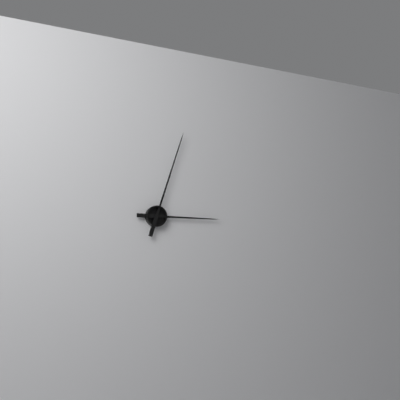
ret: **3:03**
